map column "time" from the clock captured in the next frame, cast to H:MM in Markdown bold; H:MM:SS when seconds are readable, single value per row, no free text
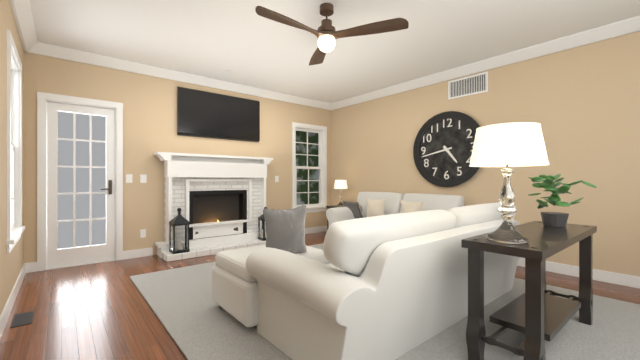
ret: **4:43**
